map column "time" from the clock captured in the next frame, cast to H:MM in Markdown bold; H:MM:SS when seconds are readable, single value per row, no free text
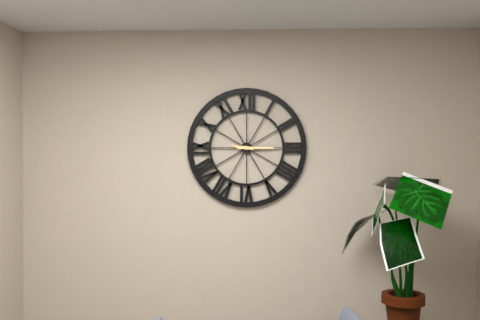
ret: **9:15**
